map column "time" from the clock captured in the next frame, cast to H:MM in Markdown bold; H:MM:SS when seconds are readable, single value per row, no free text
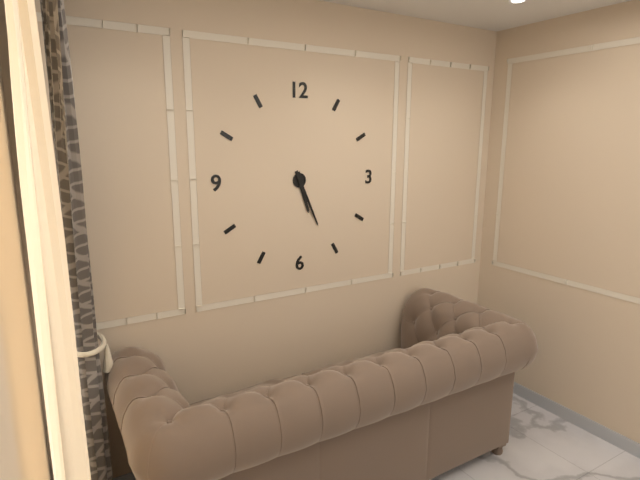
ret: **5:26**
